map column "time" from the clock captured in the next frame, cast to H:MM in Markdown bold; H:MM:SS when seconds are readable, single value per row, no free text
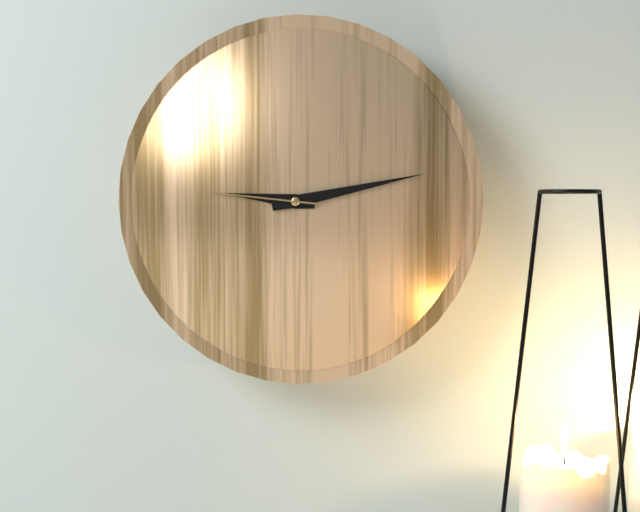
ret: **9:13:46**
